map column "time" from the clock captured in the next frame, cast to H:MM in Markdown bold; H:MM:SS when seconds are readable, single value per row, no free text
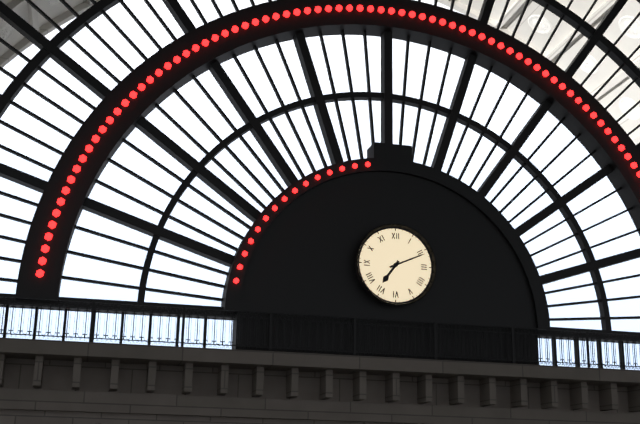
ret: **7:11**
